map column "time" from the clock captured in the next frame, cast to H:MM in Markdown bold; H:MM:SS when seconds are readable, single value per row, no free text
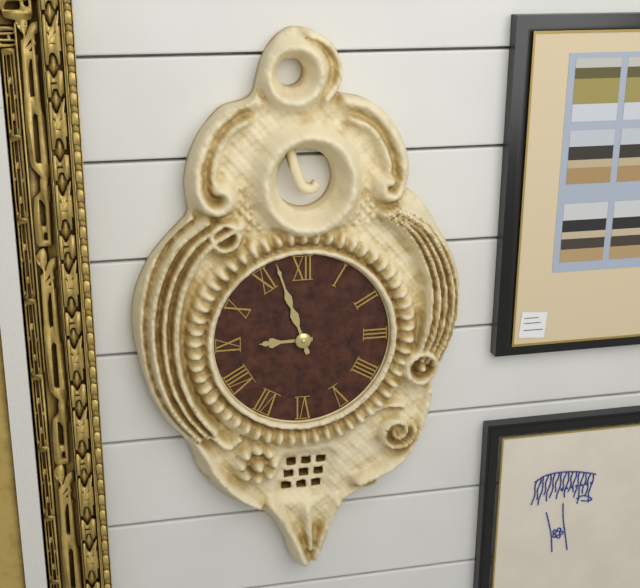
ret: **8:57**
